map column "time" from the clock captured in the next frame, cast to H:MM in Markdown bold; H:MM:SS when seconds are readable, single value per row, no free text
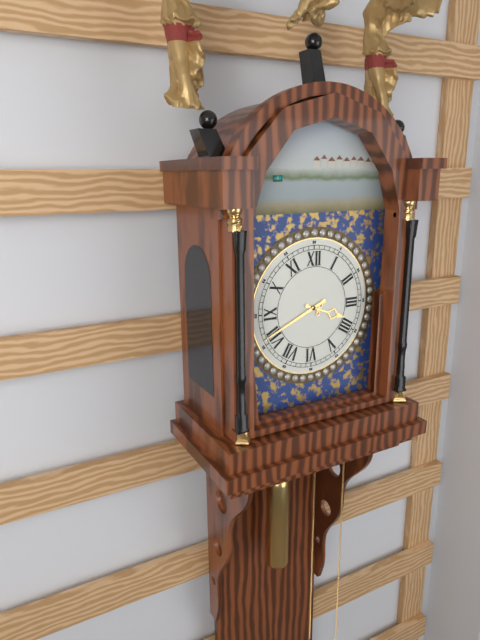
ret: **3:41**
